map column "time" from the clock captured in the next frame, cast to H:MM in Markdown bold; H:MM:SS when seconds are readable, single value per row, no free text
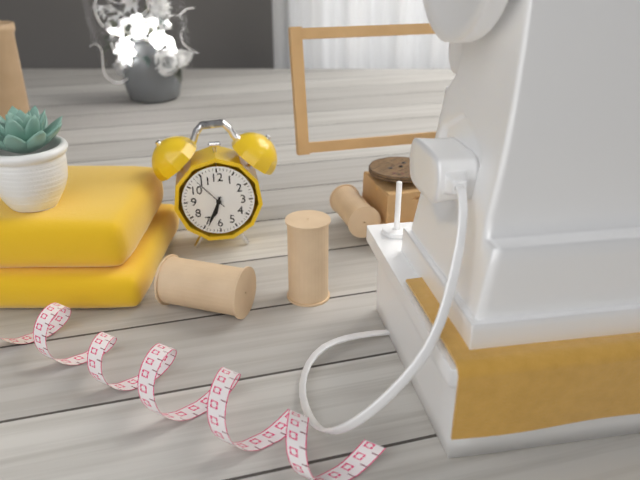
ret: **6:34**
